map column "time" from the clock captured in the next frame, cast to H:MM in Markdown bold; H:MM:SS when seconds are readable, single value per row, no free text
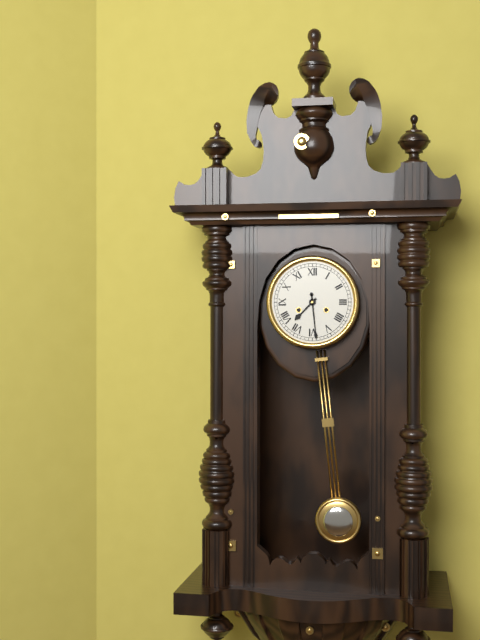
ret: **7:29**
